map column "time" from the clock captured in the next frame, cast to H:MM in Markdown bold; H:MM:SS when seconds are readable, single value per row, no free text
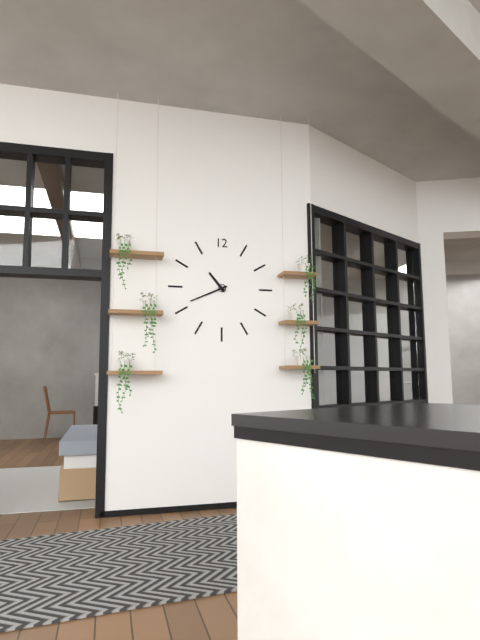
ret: **10:41**
